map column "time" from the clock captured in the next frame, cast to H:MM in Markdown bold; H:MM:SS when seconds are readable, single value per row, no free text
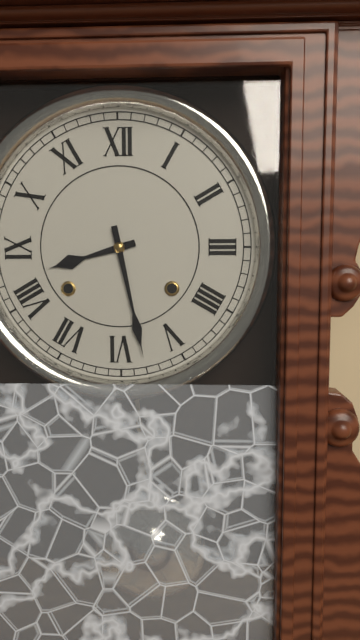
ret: **8:28**
